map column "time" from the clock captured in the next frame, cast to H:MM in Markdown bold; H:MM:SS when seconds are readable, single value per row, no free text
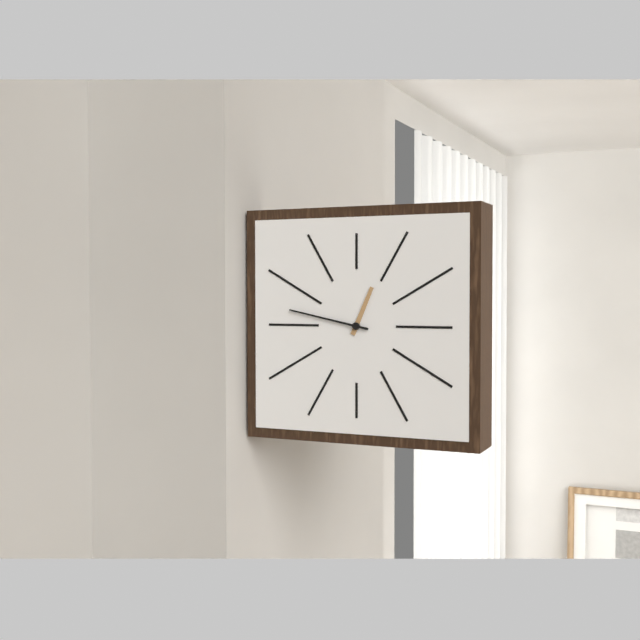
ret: **12:47**
